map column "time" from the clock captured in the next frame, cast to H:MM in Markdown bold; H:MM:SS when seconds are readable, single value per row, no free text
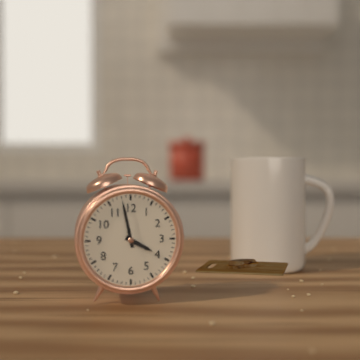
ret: **3:58**
